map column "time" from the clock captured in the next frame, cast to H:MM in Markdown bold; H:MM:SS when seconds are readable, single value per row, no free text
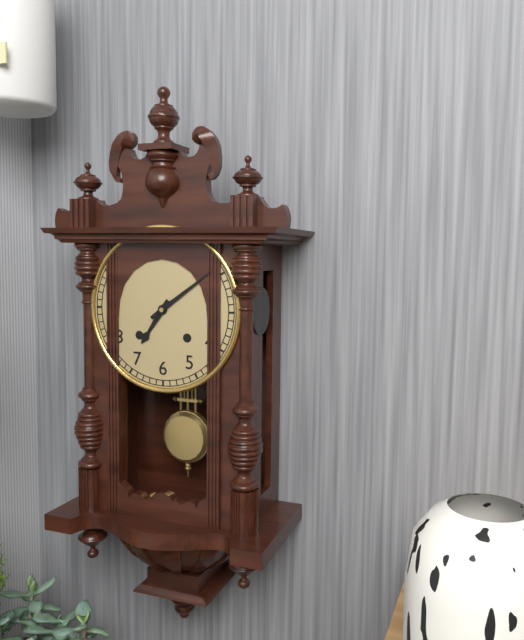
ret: **7:09**
